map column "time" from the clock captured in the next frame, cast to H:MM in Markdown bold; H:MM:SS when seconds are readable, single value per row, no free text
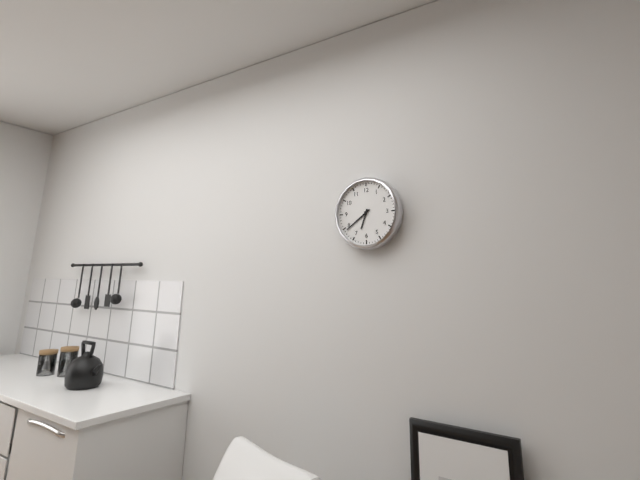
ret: **6:39**
